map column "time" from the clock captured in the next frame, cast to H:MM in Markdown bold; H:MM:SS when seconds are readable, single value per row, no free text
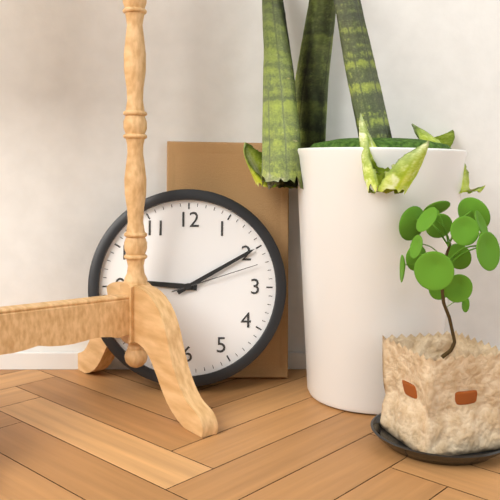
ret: **9:10:12**
